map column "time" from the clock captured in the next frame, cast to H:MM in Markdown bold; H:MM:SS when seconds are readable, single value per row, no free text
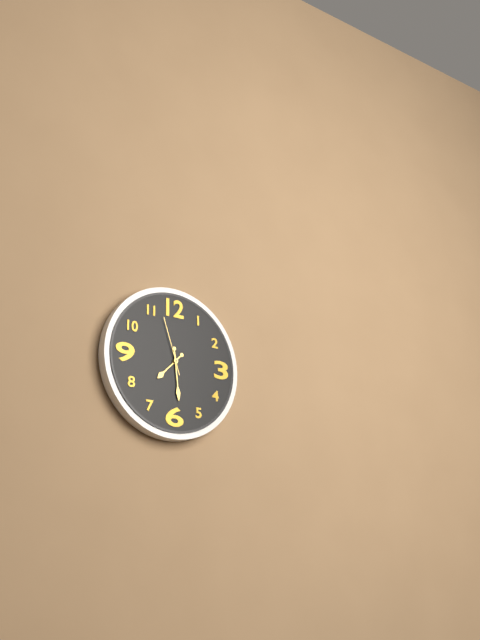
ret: **7:29:57**
